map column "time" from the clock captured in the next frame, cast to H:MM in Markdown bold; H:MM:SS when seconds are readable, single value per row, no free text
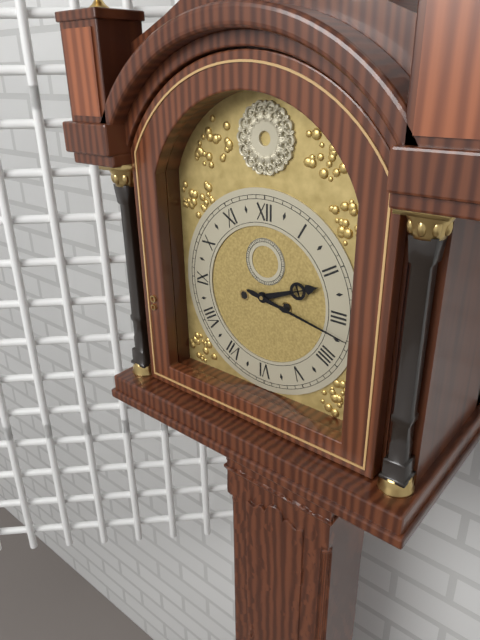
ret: **2:17**
